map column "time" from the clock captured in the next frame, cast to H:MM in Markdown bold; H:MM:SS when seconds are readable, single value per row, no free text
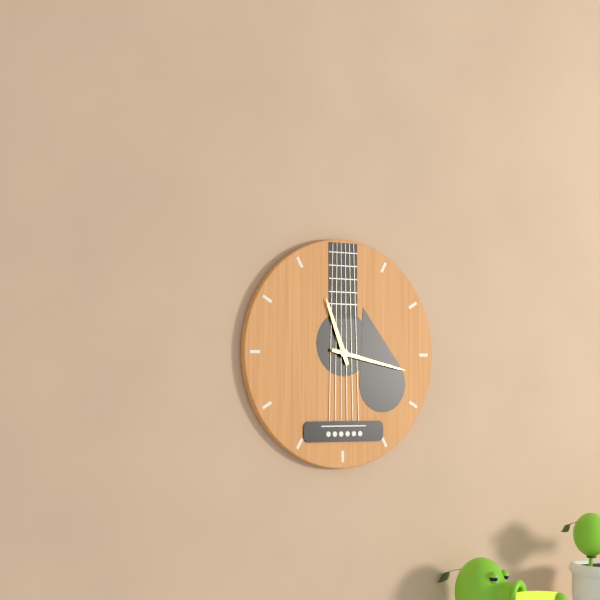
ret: **11:17**
